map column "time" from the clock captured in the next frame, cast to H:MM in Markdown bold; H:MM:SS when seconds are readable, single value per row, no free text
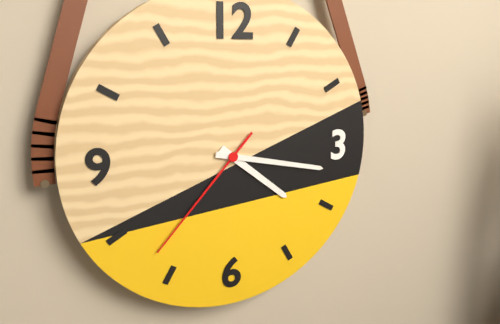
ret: **4:17:37**
